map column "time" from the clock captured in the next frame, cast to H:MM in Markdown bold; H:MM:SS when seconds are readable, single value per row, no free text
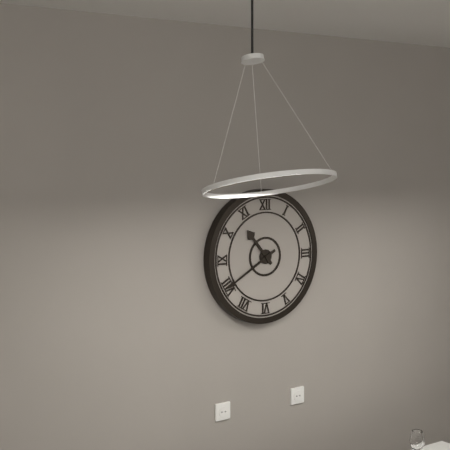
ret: **10:40**
